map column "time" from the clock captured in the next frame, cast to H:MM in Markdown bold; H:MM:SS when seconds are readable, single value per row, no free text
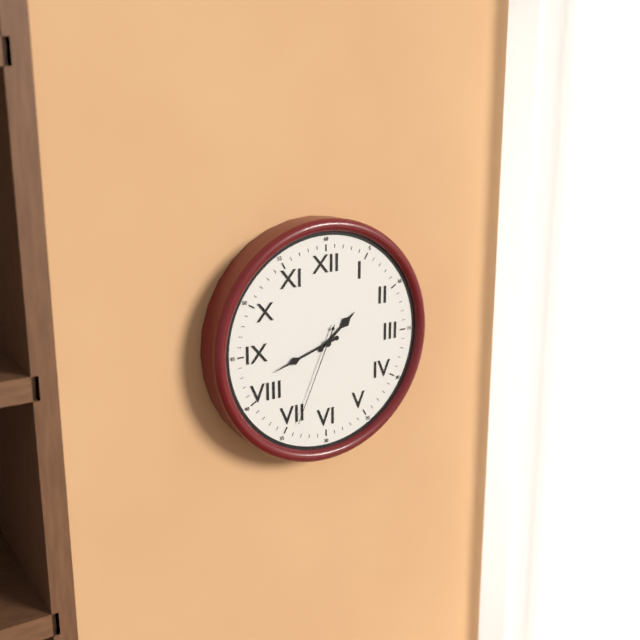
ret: **1:42:34**
